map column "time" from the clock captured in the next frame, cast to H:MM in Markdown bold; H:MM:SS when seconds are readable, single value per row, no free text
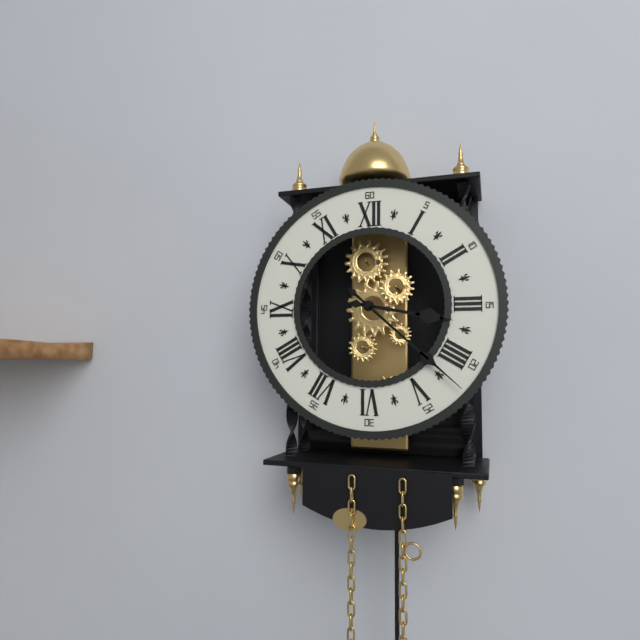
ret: **3:22**
